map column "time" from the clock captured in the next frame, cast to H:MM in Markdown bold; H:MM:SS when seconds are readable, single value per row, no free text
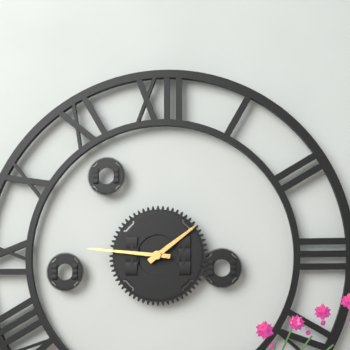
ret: **1:46**
